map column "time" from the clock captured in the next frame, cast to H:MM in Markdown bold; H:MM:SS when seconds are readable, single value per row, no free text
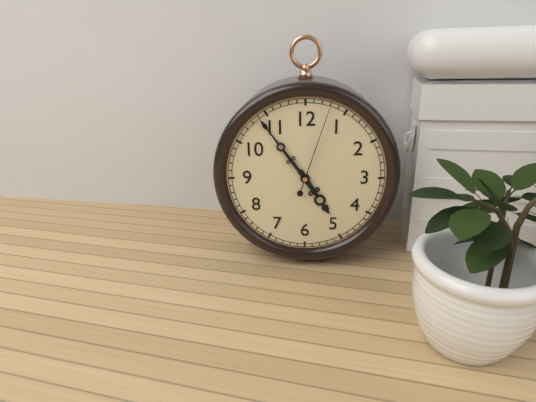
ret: **4:54:03**
